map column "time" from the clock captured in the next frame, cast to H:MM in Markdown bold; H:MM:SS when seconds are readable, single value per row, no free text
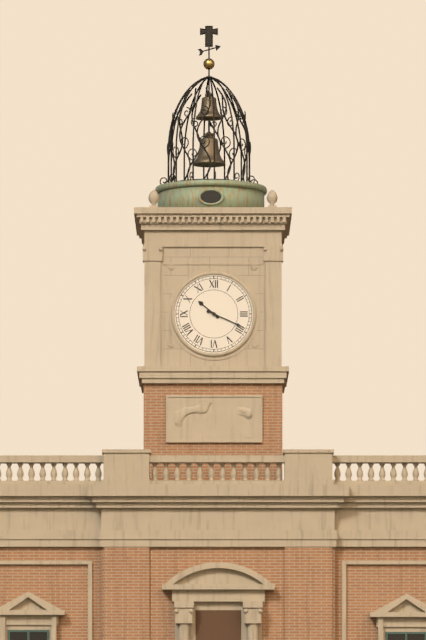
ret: **10:19**
